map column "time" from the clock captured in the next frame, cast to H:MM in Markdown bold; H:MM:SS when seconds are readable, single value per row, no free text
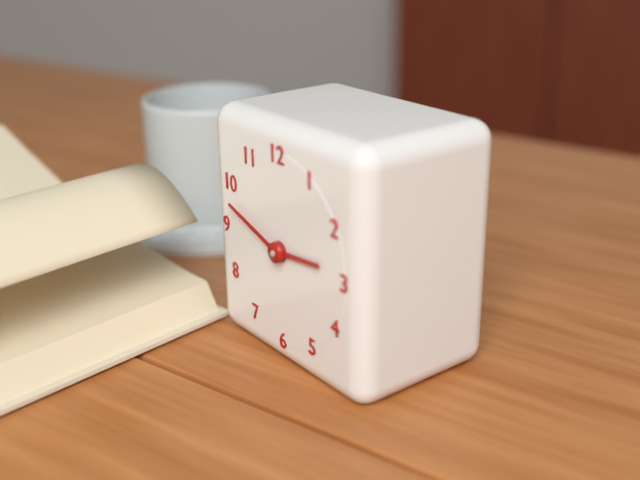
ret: **2:48**
